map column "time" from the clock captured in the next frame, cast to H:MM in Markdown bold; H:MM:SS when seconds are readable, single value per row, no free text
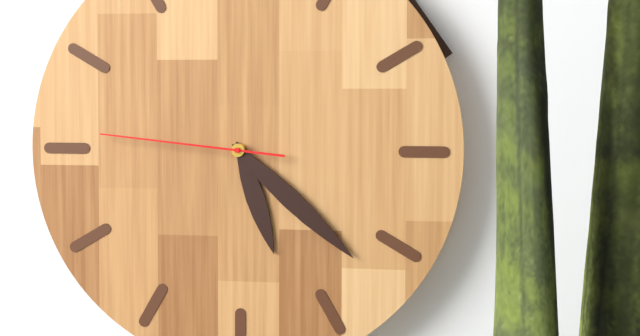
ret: **5:22:46**
